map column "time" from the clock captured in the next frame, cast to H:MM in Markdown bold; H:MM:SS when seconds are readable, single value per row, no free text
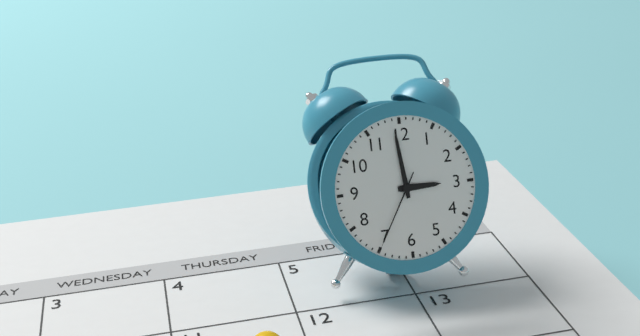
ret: **2:59:35**
